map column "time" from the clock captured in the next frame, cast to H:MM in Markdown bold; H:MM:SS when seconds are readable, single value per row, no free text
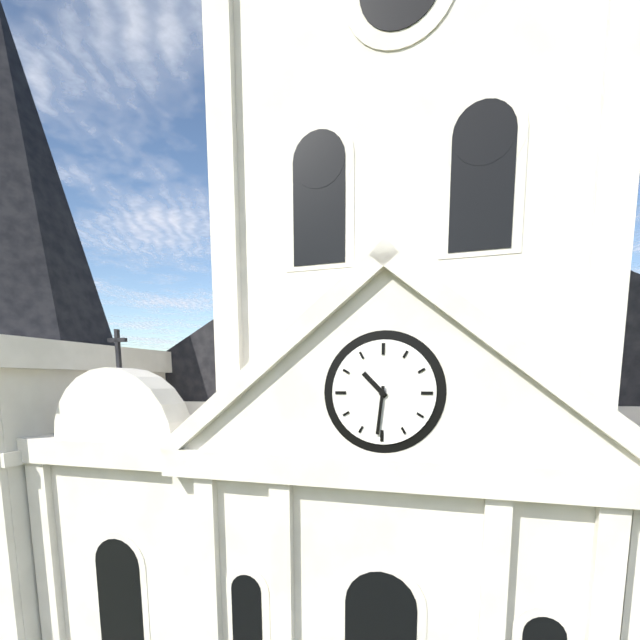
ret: **10:31**
